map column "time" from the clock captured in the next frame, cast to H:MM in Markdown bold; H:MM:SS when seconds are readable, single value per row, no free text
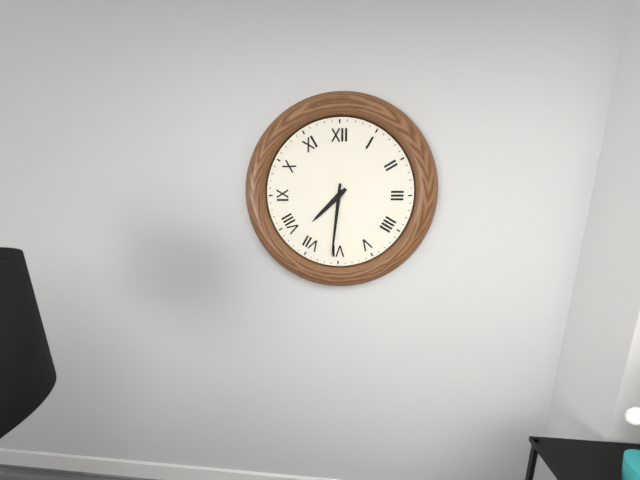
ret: **7:31**
